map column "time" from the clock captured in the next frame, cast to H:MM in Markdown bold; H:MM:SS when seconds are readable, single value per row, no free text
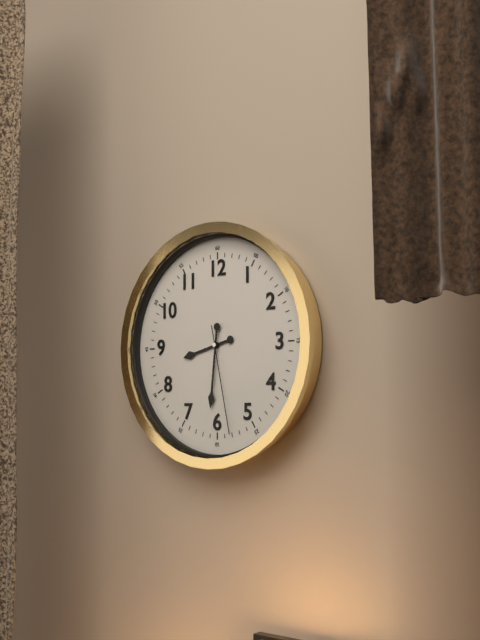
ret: **8:31:28**
